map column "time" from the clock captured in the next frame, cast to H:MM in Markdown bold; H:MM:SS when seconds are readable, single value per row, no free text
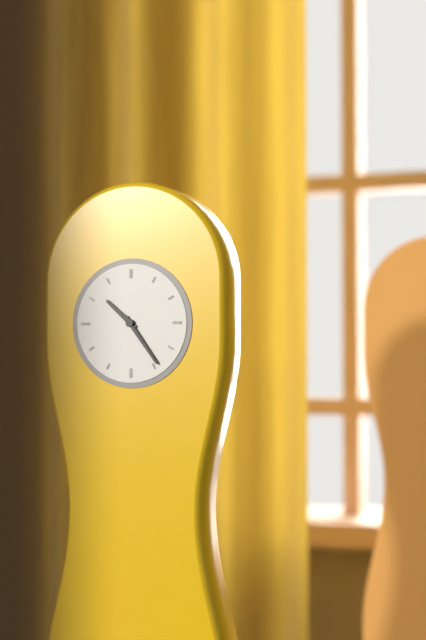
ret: **10:24**
